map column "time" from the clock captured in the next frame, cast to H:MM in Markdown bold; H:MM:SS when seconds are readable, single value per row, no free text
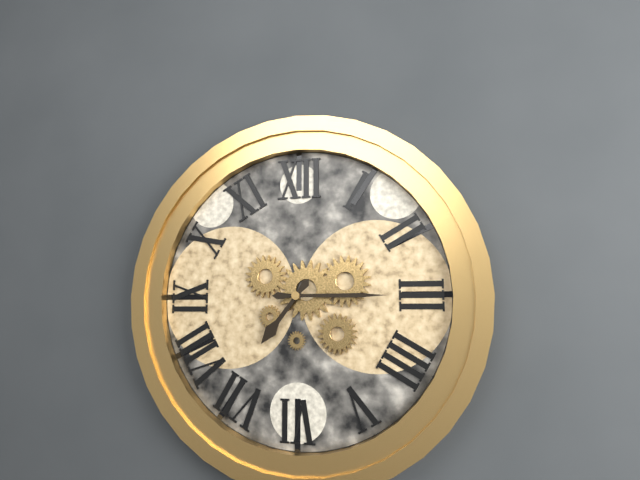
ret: **7:15**
